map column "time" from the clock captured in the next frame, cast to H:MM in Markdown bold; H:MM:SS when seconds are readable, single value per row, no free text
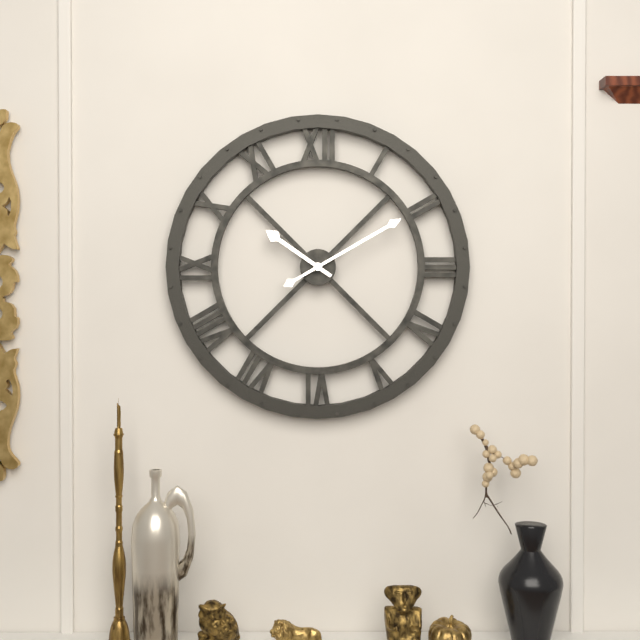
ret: **10:10**
